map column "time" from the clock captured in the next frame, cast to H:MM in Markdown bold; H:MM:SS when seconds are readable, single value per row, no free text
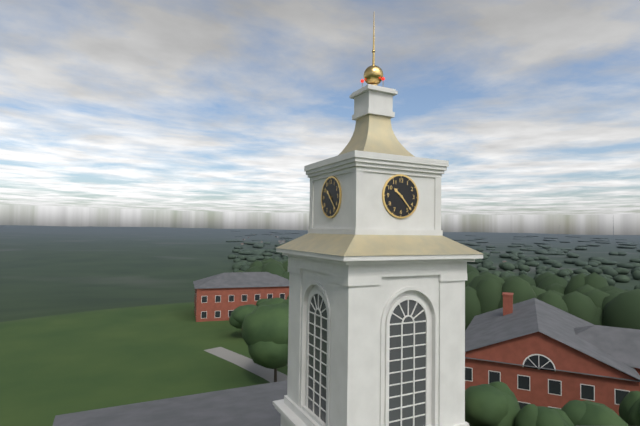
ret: **10:23**
